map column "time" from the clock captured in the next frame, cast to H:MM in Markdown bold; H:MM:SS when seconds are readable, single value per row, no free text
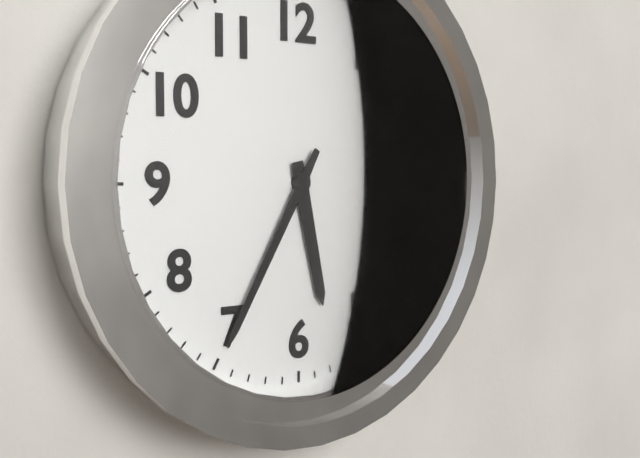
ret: **5:35**
